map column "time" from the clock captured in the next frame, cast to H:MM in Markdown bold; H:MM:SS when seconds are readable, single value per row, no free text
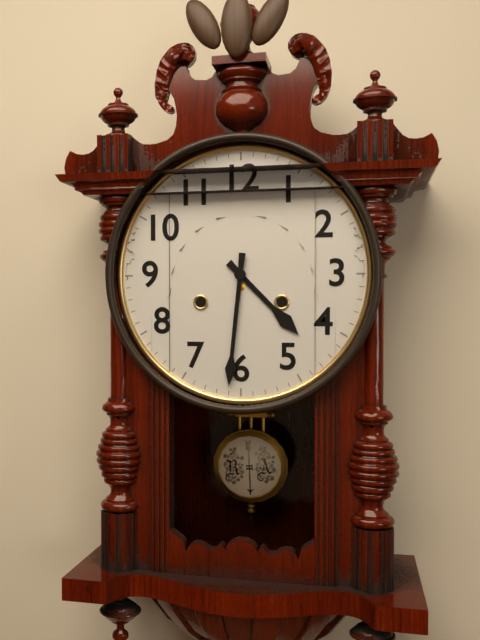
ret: **4:31**
